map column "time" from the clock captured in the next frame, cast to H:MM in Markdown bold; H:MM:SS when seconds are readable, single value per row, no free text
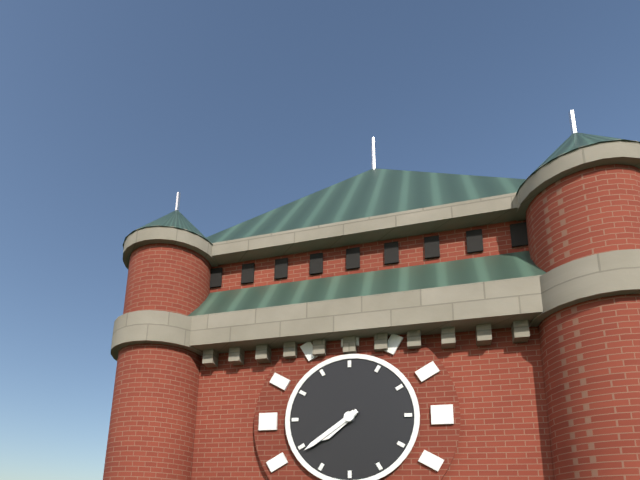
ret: **7:39**
